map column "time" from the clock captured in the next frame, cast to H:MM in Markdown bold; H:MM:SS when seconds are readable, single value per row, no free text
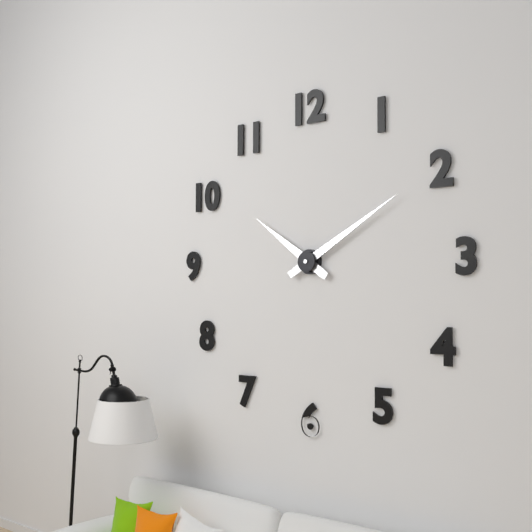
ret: **10:10**
